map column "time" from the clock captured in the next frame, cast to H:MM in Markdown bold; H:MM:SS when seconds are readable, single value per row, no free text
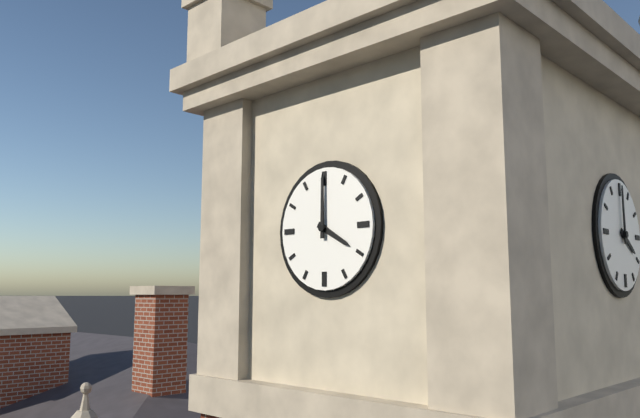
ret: **4:00**
